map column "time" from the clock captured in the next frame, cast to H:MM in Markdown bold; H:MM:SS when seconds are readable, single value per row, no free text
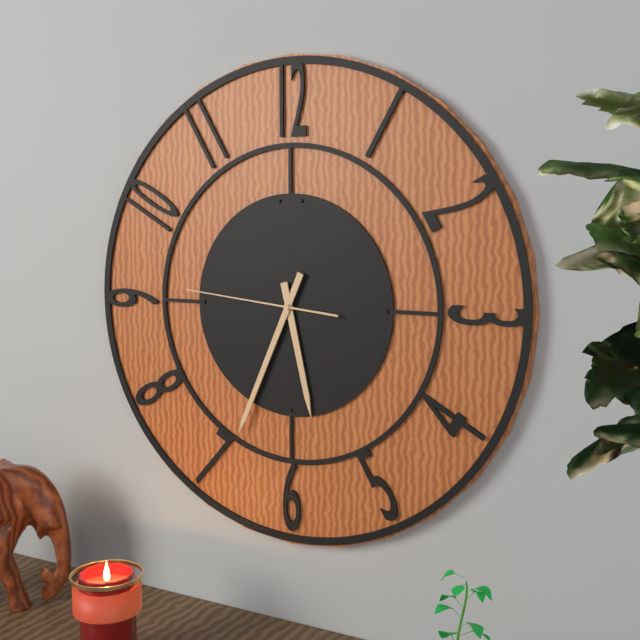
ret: **5:34:46**
